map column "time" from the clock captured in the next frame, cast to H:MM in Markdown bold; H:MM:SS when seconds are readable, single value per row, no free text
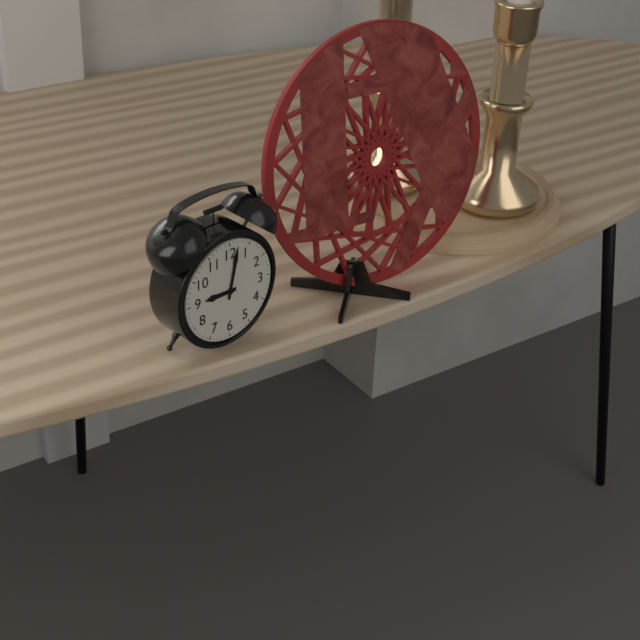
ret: **9:02**
